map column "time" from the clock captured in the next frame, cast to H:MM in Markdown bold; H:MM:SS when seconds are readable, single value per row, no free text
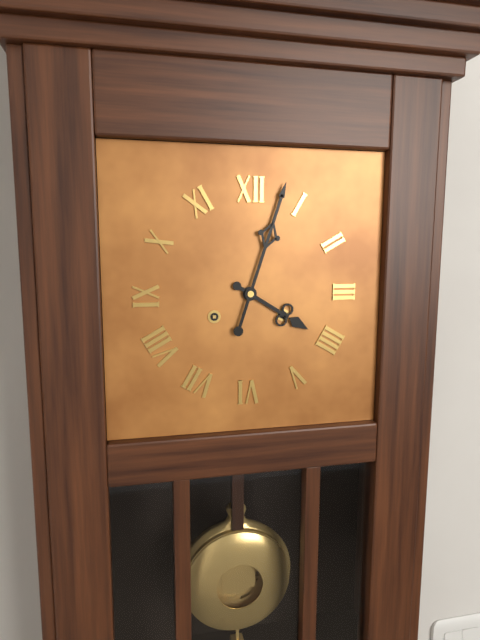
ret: **4:03**
